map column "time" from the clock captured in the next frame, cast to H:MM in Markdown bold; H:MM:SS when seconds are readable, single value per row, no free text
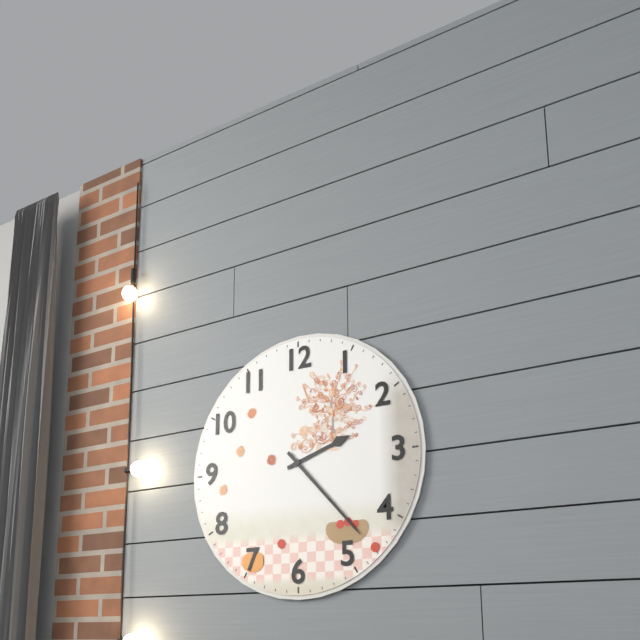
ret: **2:23**
